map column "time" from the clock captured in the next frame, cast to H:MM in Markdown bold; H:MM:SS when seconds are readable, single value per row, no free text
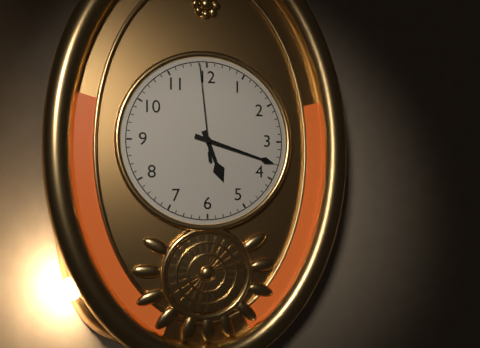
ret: **5:18:59**
